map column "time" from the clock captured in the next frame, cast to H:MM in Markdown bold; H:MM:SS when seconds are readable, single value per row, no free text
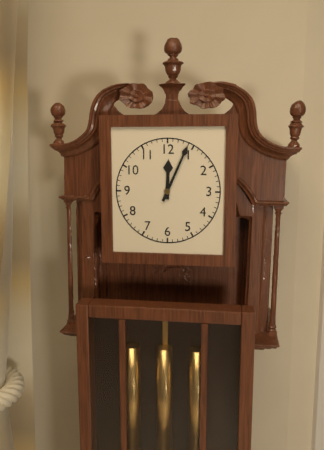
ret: **12:04**
